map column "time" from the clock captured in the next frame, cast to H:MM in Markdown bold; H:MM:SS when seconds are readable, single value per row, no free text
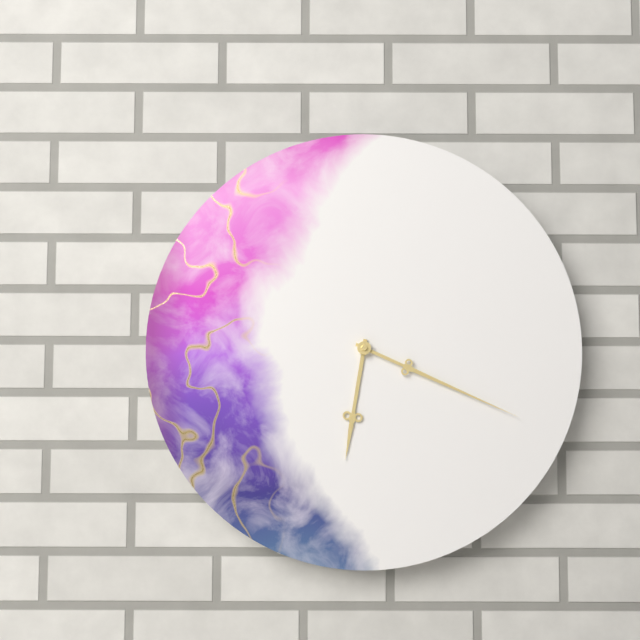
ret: **6:19**
